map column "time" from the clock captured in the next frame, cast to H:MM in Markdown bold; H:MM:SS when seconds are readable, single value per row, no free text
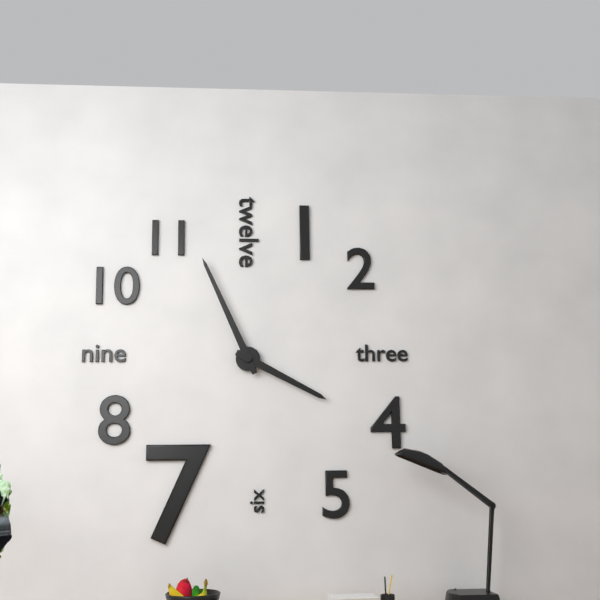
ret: **3:56**
